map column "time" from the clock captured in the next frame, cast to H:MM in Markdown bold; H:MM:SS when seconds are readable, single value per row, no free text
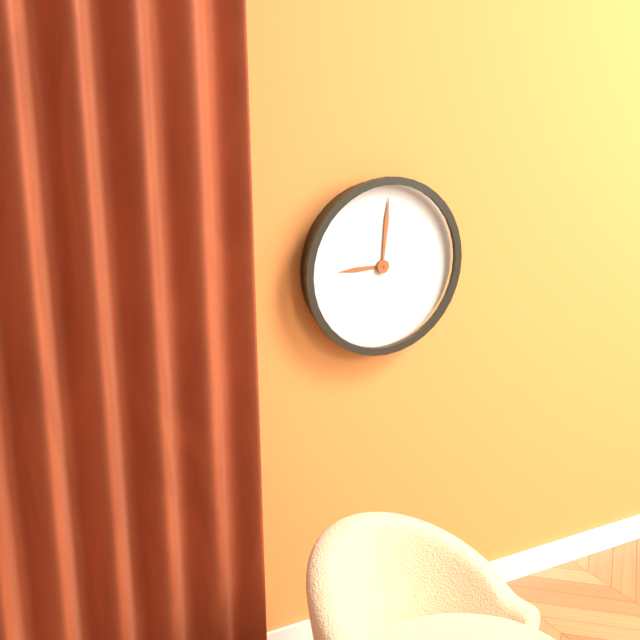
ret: **9:01**
